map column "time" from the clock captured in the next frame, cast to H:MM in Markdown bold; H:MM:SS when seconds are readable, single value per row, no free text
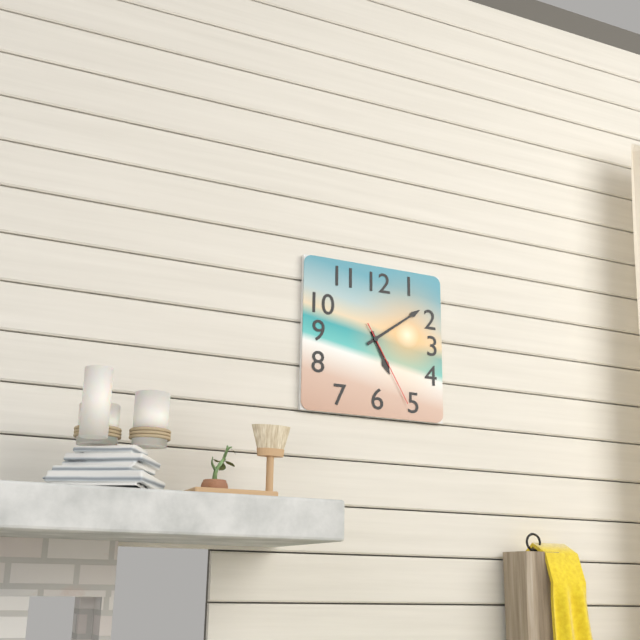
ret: **5:09:25**
